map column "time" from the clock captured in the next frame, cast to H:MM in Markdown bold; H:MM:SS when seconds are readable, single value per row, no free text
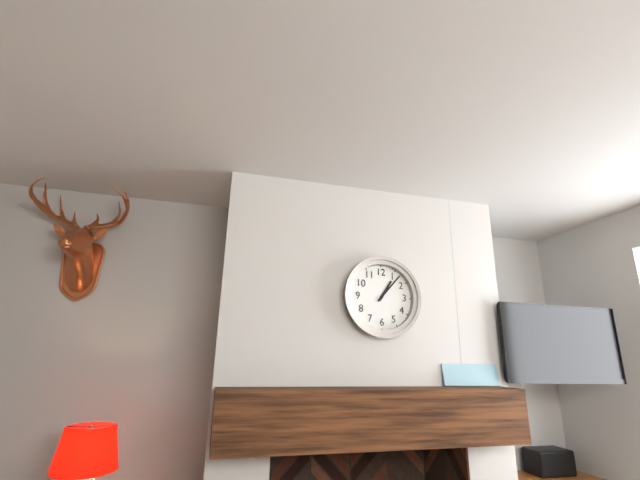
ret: **1:07**
